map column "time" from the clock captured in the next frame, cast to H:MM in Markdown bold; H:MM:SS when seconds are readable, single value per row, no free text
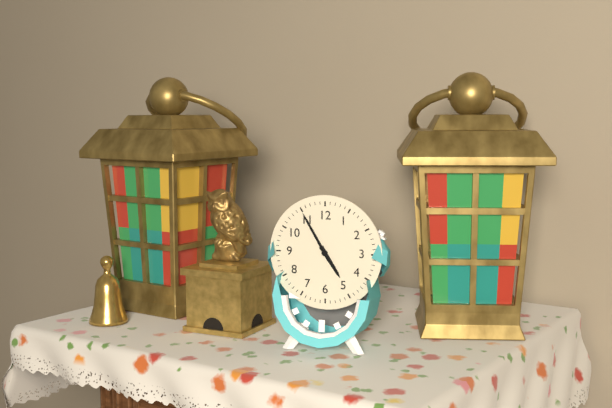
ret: **4:55**
